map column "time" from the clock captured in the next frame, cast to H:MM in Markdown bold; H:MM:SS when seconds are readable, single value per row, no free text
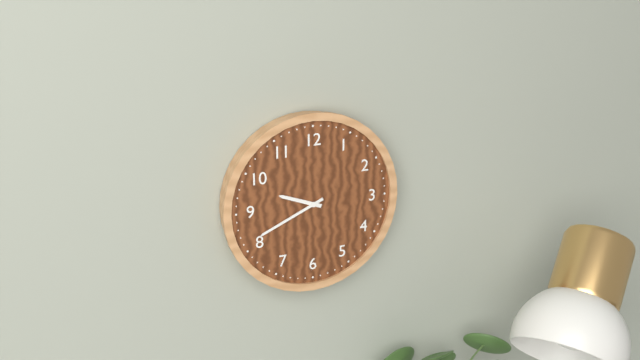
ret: **9:41**
